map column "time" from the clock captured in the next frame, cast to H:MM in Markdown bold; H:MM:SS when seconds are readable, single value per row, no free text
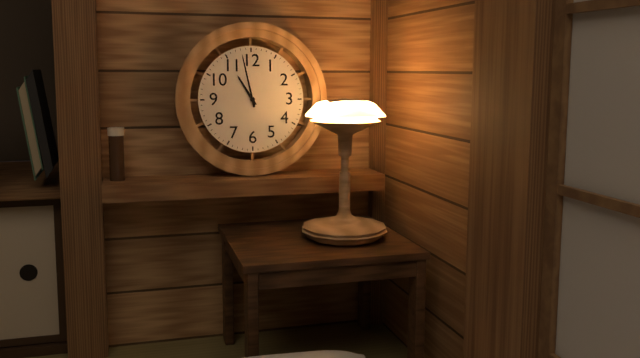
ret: **10:58**
